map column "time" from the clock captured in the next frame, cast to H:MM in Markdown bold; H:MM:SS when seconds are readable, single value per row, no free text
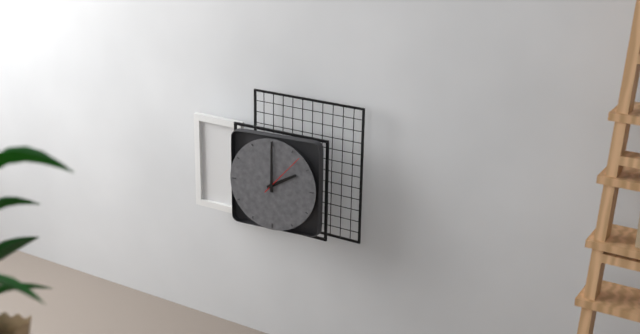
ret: **2:00**
